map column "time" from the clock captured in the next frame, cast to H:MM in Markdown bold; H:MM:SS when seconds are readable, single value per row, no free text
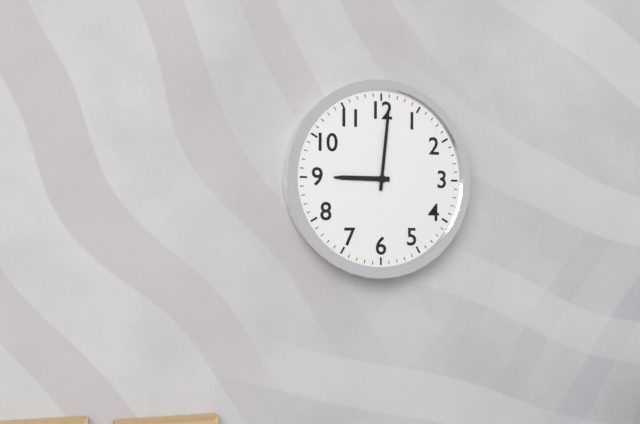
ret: **9:01**
